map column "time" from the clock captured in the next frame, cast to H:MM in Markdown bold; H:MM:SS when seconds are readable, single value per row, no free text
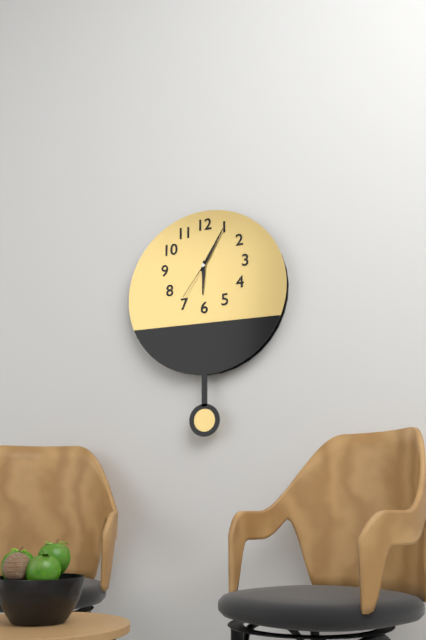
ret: **6:05**
